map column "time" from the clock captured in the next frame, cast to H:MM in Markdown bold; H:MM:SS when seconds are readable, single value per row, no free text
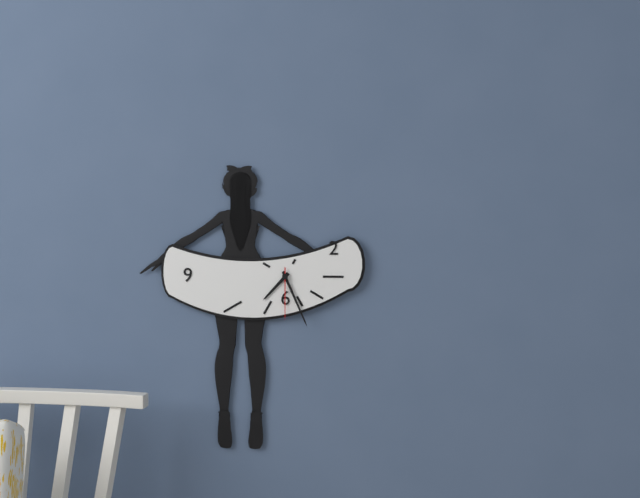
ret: **7:26:30**
